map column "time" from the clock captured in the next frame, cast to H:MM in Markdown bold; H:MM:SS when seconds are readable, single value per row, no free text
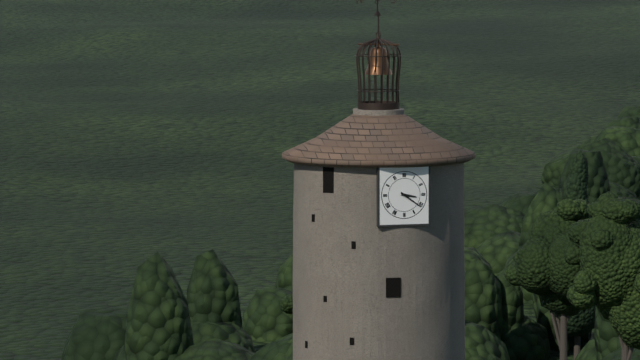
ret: **3:21**
